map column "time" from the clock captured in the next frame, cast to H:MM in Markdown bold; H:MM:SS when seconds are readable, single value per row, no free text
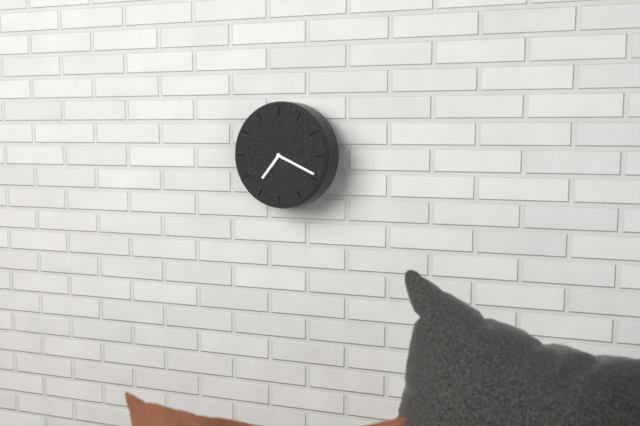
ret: **7:19**
